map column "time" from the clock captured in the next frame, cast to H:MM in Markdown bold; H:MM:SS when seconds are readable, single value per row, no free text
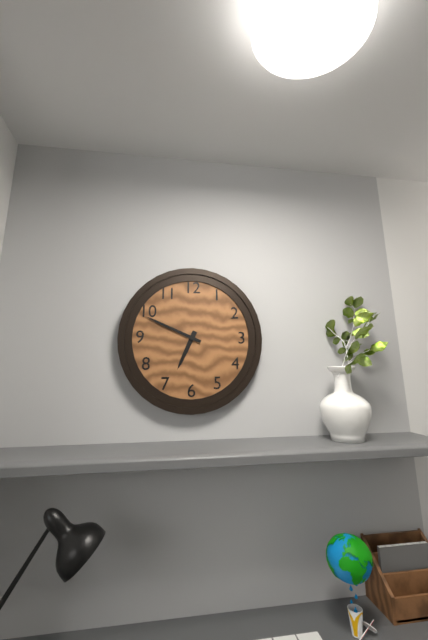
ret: **6:49**
